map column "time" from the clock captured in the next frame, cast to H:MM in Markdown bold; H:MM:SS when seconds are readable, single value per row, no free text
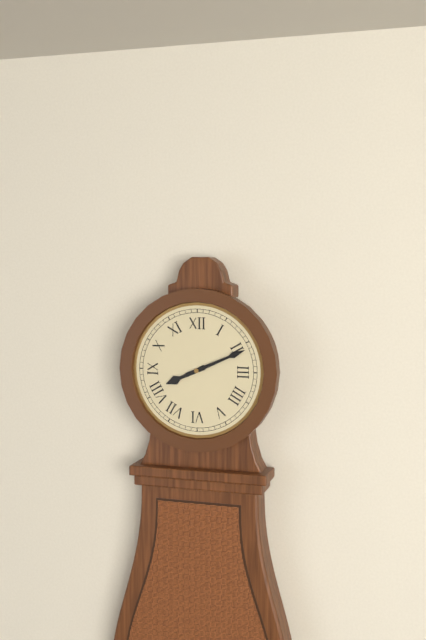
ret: **8:11**
